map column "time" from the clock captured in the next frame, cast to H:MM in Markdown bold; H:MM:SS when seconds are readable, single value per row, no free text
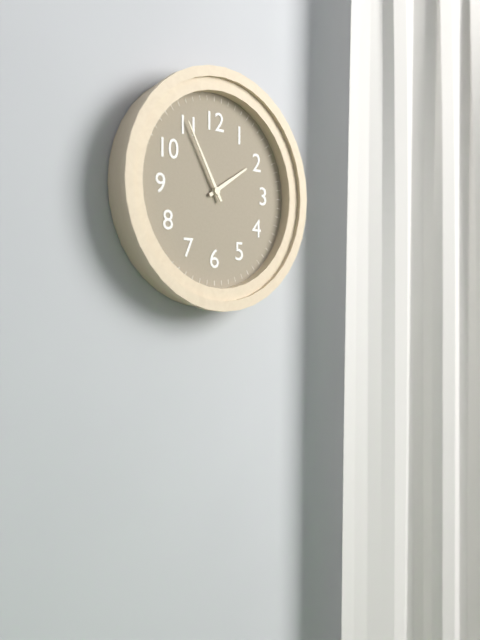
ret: **1:55**
